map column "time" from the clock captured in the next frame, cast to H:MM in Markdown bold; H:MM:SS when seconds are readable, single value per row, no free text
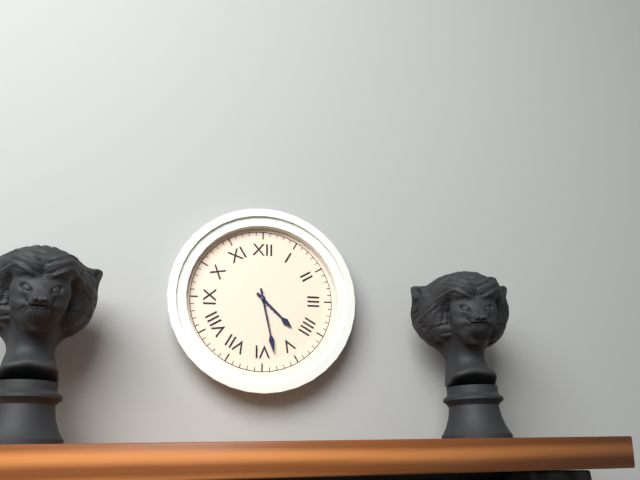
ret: **4:28**
